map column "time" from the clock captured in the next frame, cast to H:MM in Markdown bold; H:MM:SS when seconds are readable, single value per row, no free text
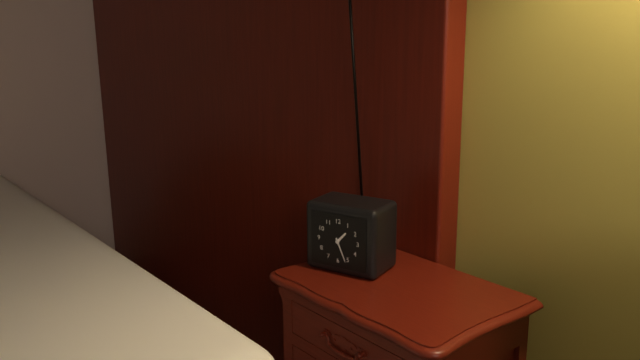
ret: **1:26**
